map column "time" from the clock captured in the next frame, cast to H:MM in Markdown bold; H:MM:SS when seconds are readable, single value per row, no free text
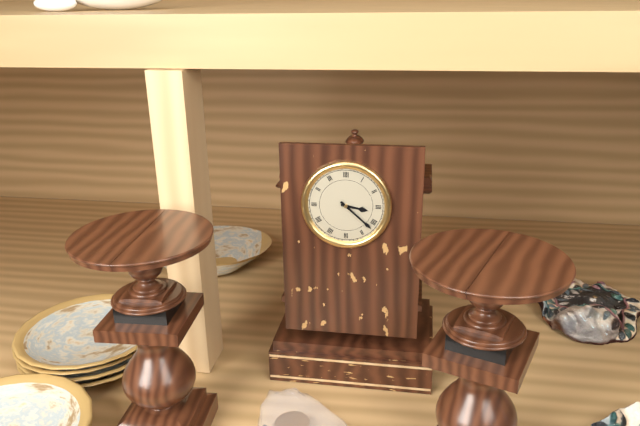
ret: **3:22**
